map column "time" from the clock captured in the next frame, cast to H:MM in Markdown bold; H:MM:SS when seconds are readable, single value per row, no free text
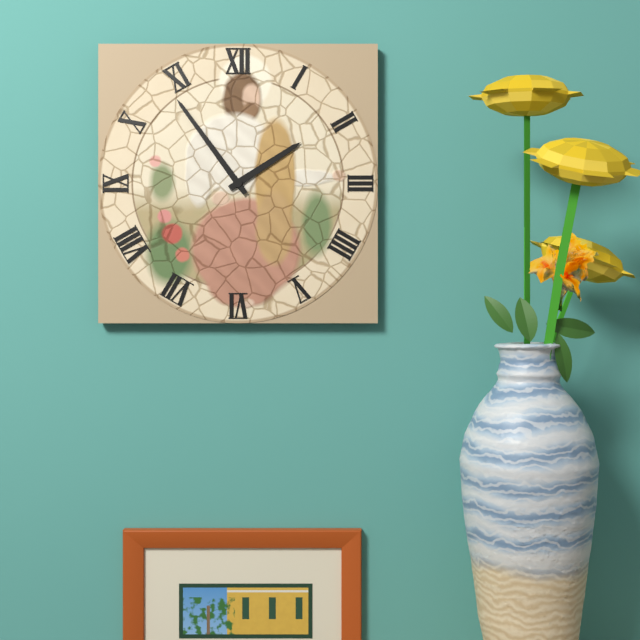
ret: **1:54**
